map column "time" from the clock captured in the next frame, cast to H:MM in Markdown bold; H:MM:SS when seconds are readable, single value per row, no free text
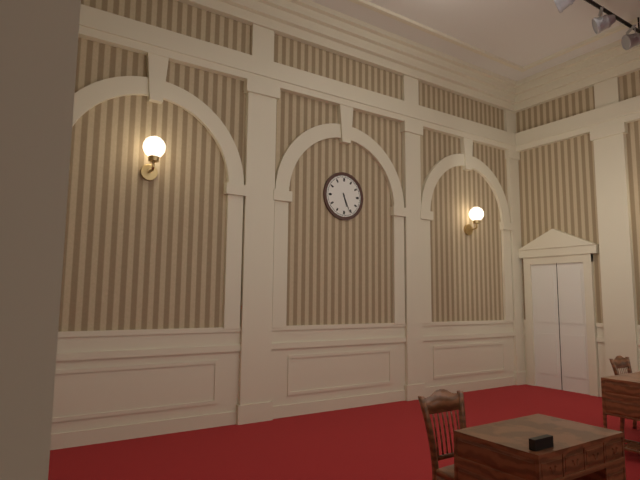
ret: **5:26**
